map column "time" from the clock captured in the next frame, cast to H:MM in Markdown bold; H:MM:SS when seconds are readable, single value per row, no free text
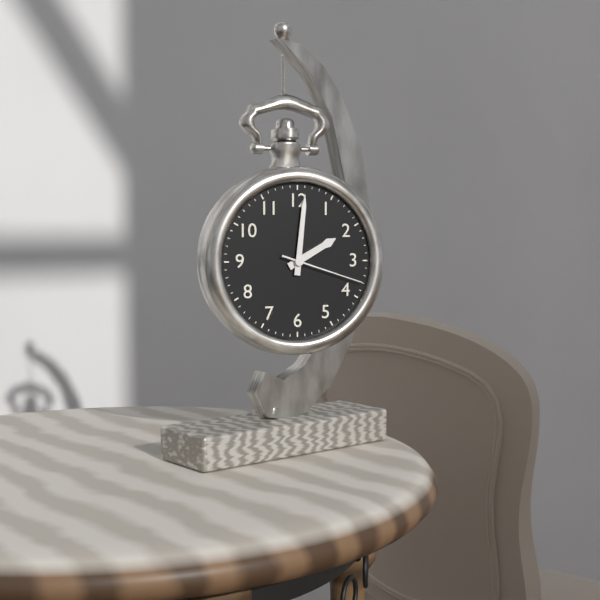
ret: **2:01:18**
